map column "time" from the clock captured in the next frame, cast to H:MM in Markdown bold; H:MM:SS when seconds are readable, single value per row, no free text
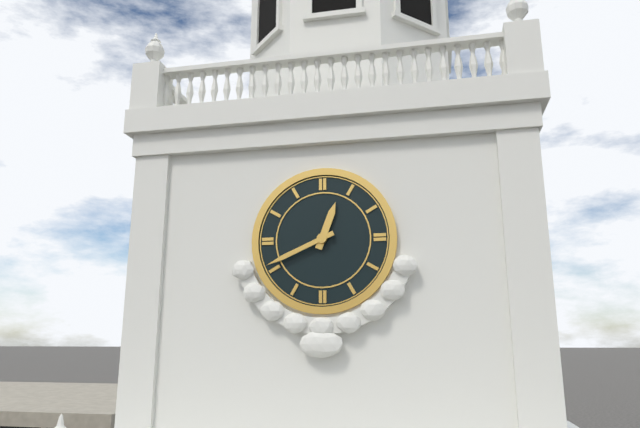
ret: **12:41**
